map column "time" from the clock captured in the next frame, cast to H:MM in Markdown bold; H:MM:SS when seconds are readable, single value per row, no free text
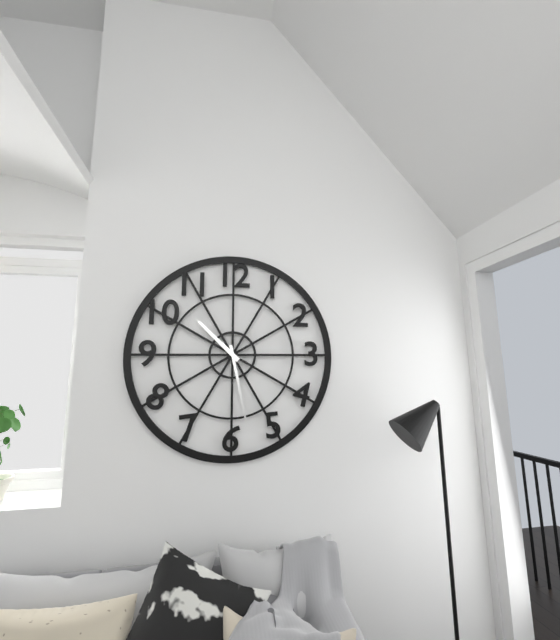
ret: **10:28**
